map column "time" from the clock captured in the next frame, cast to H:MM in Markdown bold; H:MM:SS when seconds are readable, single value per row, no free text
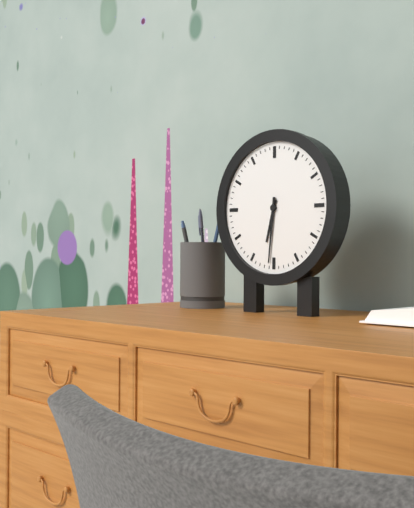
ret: **6:31**
